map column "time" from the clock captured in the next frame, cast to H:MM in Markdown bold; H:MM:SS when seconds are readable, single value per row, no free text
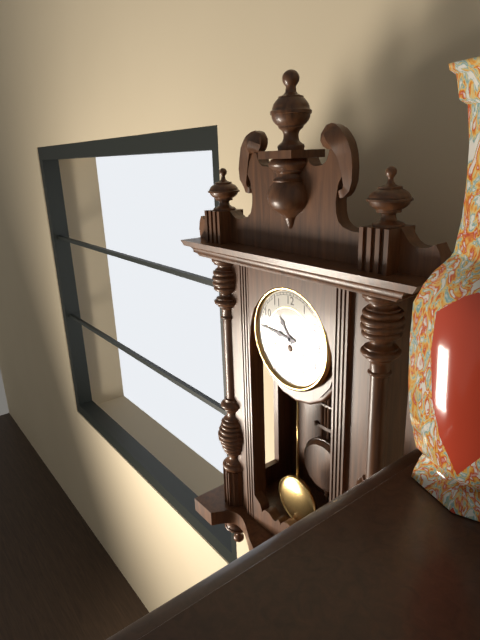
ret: **10:46**
